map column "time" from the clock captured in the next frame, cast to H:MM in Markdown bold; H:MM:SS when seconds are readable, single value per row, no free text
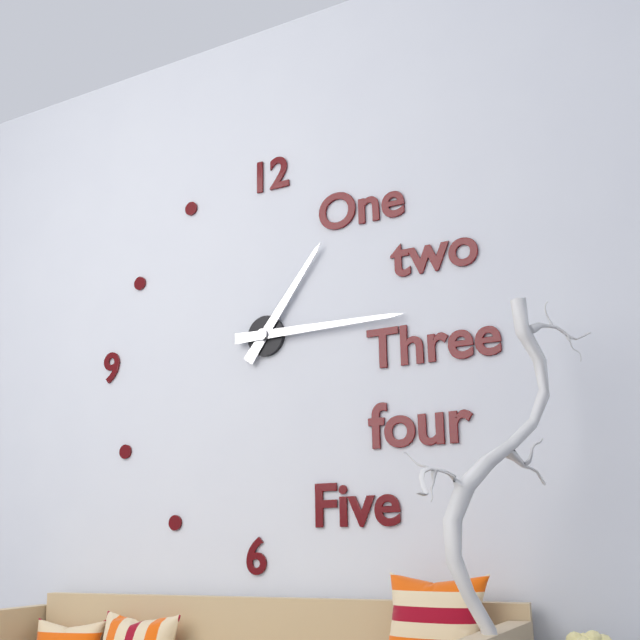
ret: **1:15**
